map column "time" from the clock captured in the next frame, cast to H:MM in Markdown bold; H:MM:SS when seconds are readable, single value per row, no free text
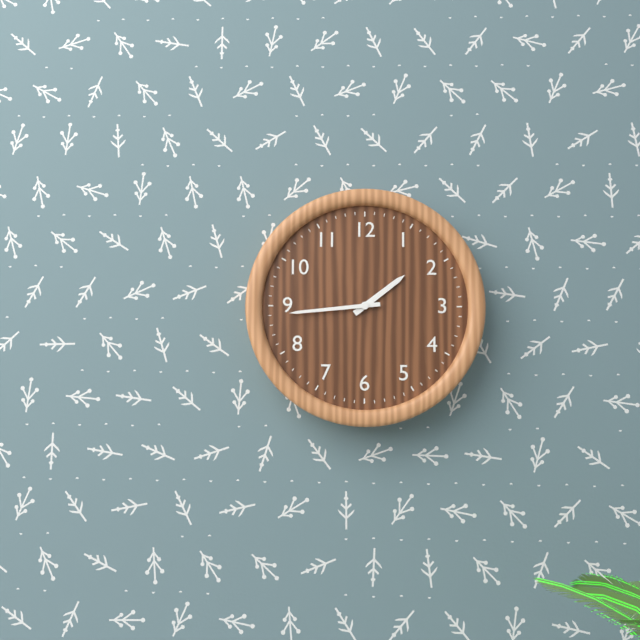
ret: **1:44**
